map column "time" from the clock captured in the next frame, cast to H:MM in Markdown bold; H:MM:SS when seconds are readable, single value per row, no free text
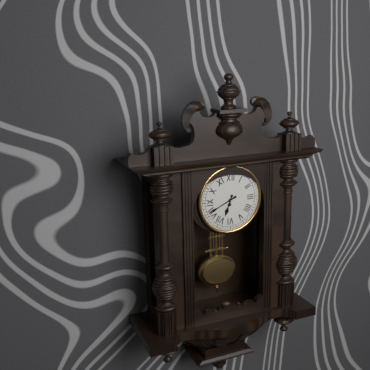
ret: **6:41**
